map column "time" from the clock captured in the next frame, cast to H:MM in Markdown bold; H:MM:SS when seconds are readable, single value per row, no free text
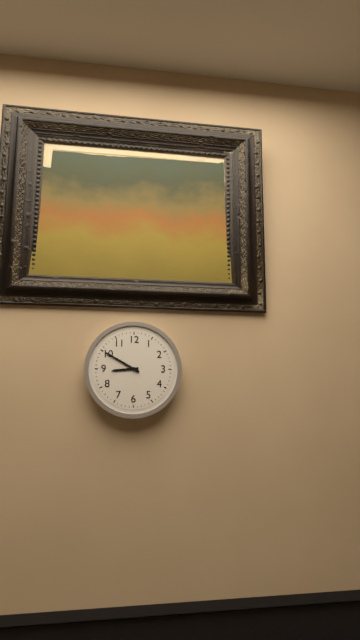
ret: **8:50**
